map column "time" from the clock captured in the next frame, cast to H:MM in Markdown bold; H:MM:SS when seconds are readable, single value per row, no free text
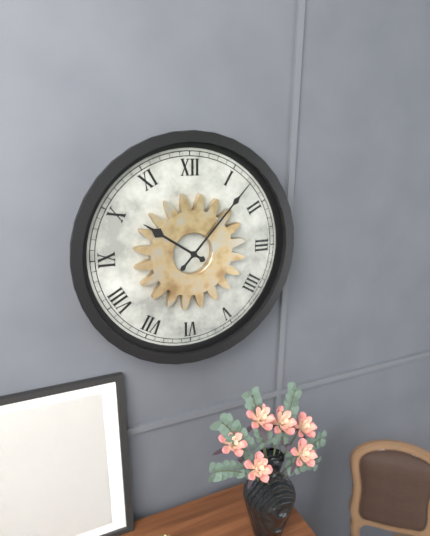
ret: **10:07**
